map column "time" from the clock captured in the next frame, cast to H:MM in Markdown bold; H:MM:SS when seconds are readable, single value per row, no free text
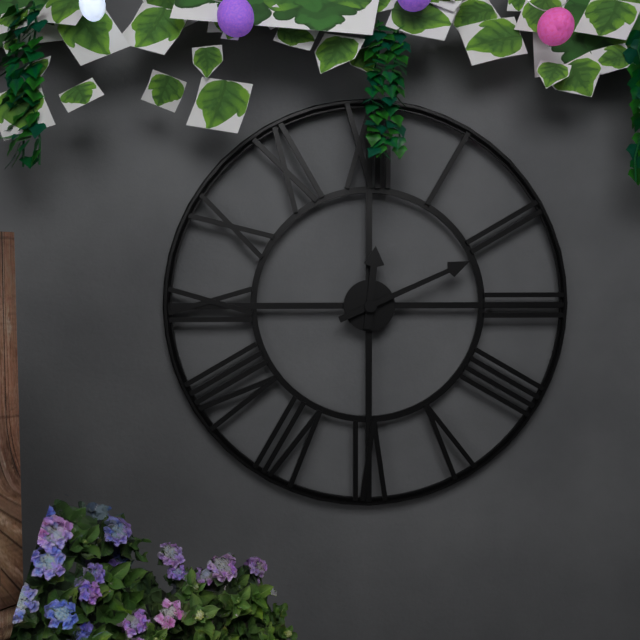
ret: **12:11**
